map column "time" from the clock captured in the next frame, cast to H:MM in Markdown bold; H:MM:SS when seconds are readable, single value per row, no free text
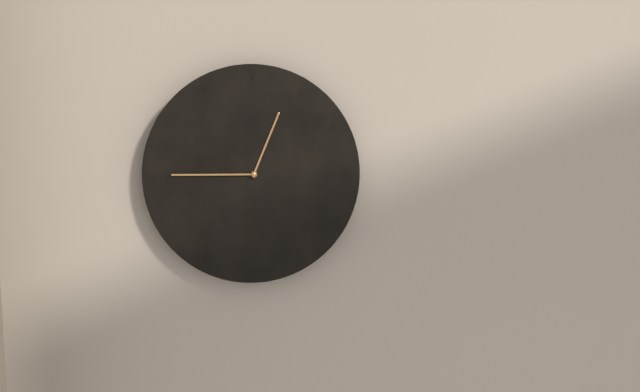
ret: **12:45**
